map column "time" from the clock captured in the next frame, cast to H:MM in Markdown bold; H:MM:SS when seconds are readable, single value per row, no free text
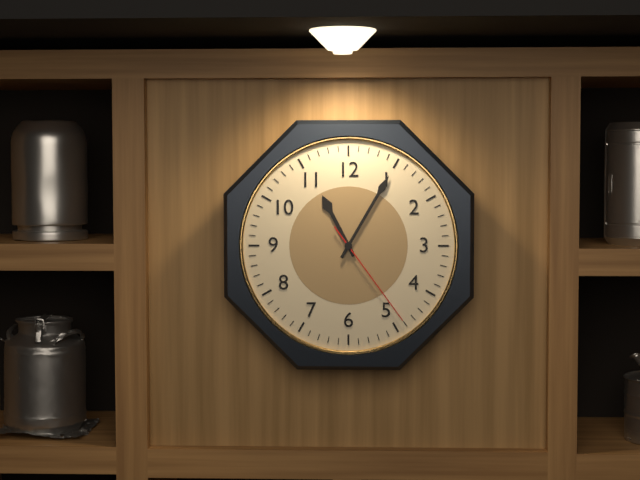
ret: **11:05:24**
